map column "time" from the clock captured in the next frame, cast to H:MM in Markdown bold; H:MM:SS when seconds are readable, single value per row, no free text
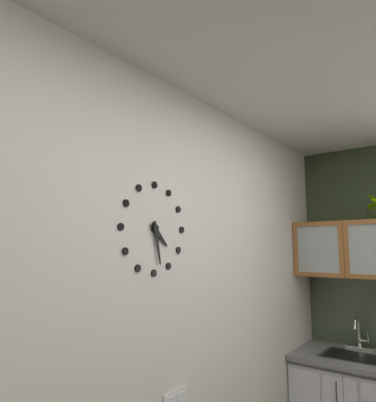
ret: **4:28**
